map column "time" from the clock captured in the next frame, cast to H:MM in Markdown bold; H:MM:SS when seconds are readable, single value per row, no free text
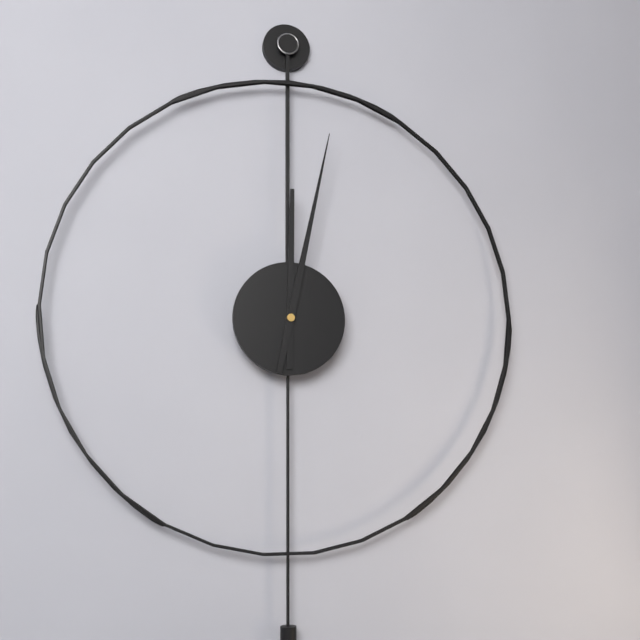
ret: **12:02**
